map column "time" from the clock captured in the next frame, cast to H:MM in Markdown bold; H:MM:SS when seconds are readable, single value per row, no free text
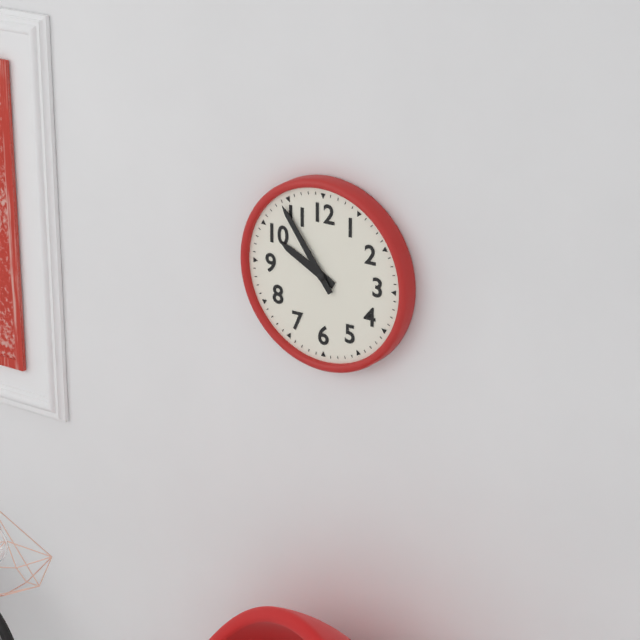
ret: **9:54**
